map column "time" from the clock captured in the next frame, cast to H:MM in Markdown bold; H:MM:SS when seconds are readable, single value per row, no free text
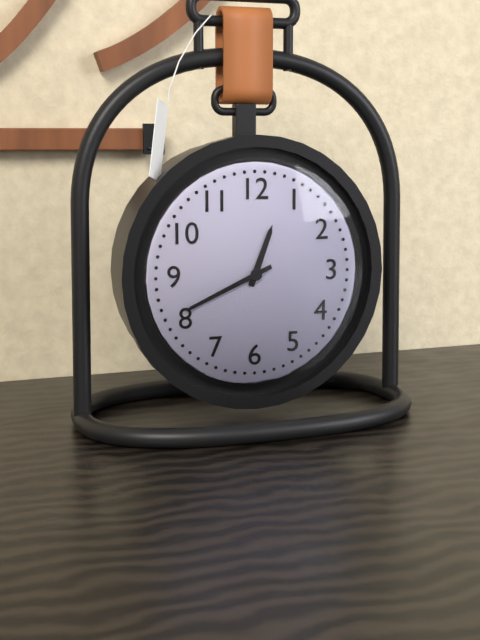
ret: **12:41**
